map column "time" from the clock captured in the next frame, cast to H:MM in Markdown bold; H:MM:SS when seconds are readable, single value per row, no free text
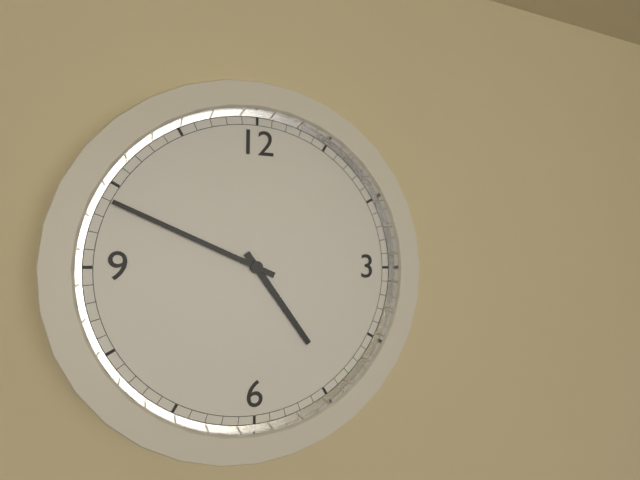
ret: **4:49**
